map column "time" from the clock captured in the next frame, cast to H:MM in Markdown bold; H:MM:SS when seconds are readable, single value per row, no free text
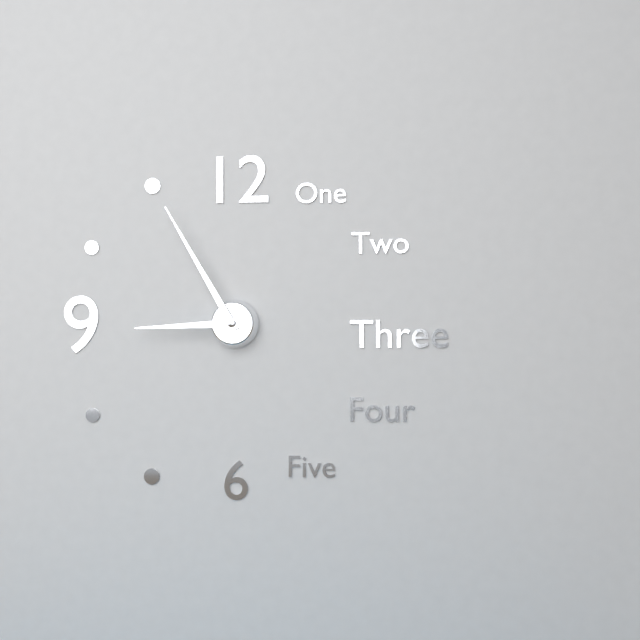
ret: **8:55**
